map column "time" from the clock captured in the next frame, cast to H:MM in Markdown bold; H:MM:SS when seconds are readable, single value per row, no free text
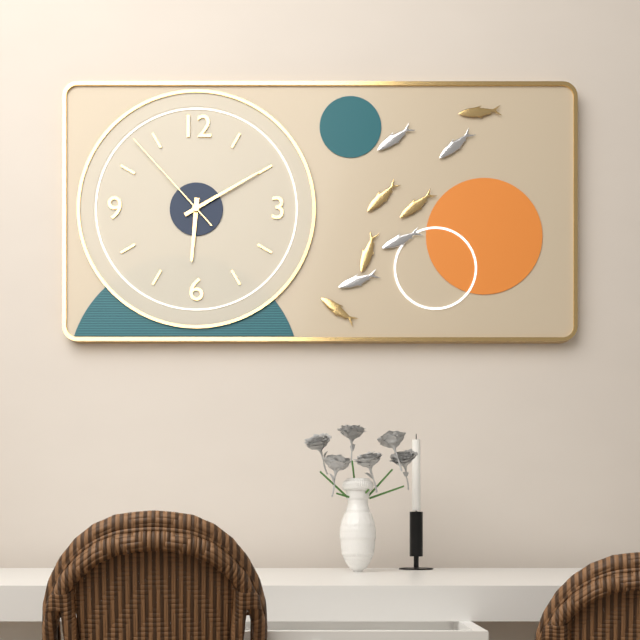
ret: **6:10:53**
